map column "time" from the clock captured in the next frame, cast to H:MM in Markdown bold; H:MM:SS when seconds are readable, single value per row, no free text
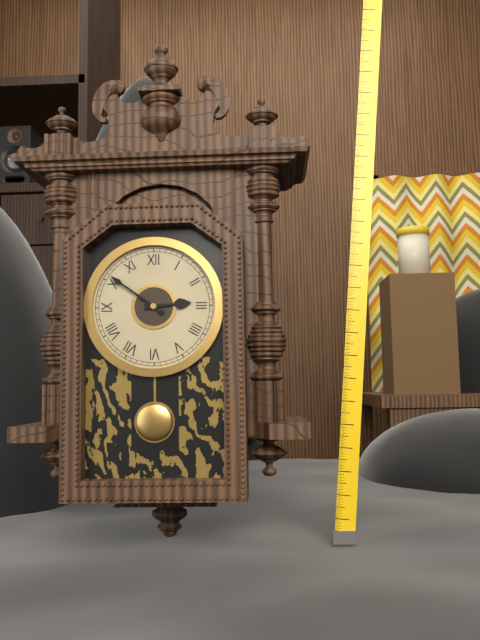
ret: **2:51**
